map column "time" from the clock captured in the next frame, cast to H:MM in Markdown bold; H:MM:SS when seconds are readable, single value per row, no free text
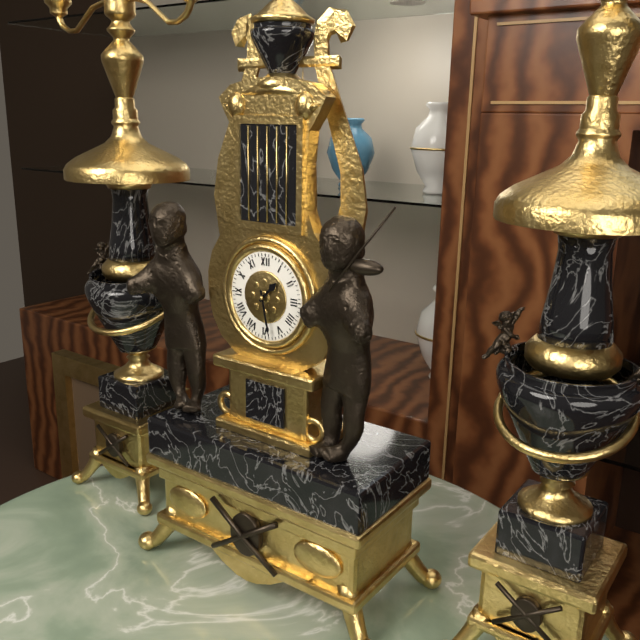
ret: **1:28**
